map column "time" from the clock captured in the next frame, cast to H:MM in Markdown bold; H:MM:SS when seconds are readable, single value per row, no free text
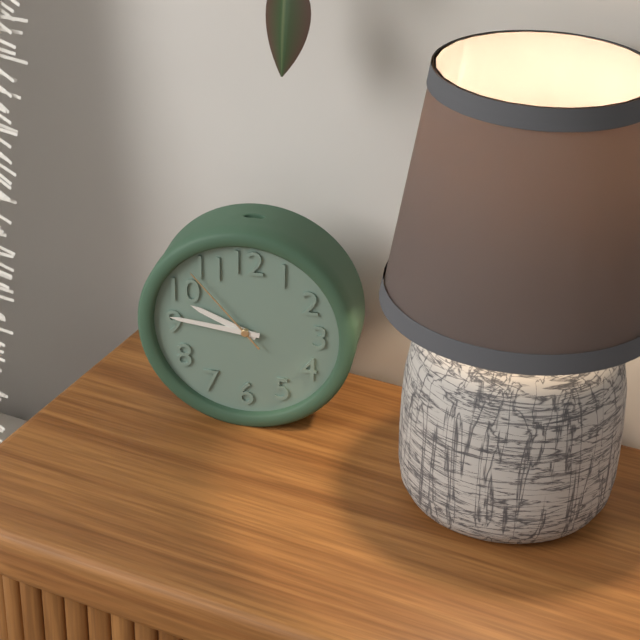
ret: **9:46:53**
